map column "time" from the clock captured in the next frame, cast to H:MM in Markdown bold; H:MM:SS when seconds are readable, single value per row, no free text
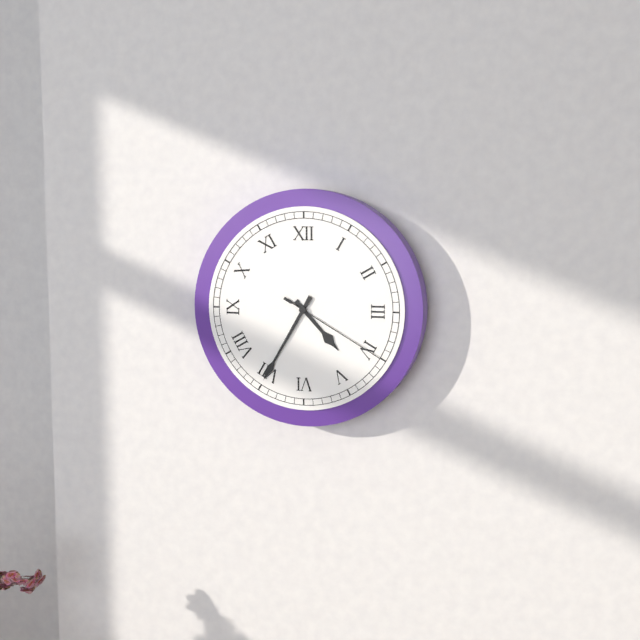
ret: **4:35:20**
